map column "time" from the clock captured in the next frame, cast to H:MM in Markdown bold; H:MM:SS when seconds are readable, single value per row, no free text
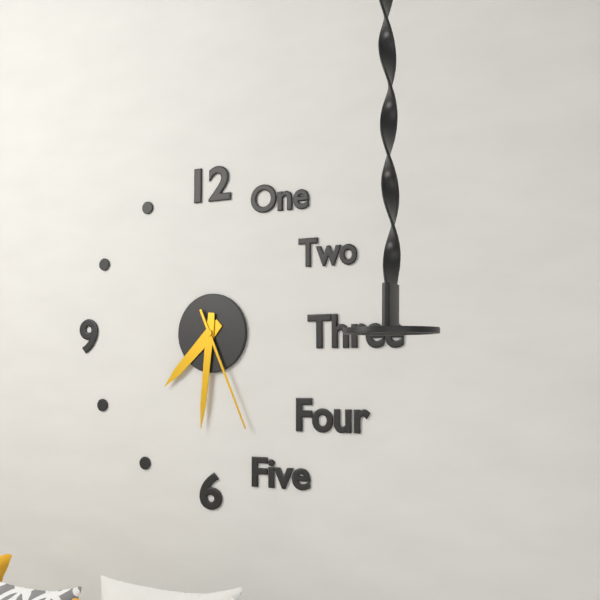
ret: **7:31:26**
